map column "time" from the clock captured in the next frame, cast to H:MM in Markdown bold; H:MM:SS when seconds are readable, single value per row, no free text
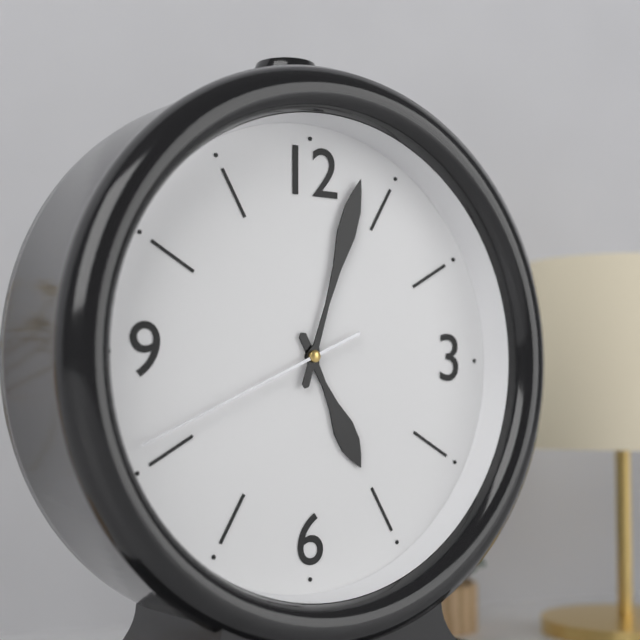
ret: **5:03:41**
